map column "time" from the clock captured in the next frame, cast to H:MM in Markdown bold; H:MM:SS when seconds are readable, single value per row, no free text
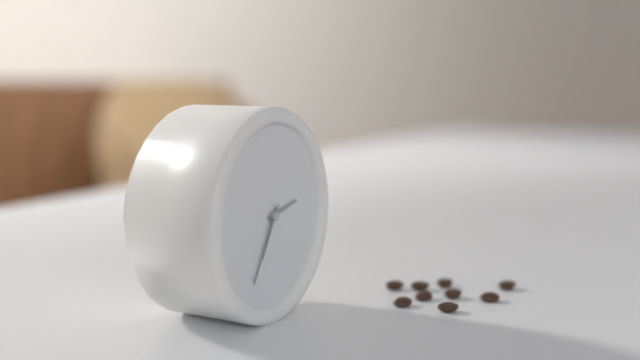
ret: **2:35:35**
